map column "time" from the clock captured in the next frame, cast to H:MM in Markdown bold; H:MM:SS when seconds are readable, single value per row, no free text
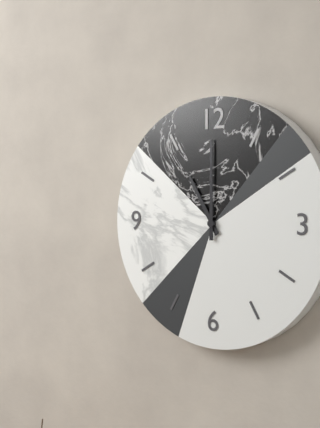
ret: **11:00**
